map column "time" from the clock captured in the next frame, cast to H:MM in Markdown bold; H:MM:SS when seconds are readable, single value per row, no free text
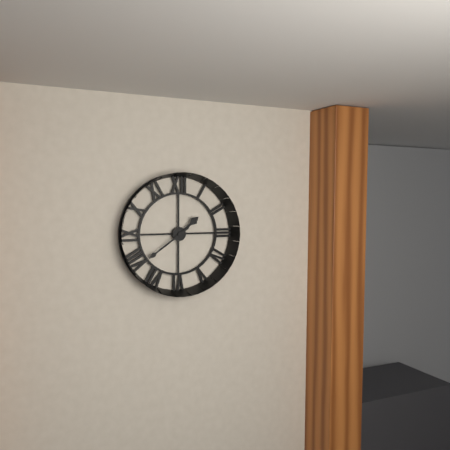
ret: **1:39**
